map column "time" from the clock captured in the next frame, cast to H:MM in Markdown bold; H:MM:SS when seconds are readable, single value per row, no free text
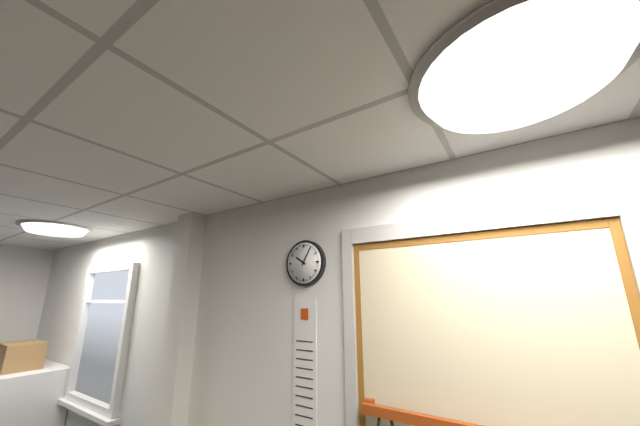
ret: **10:05**
